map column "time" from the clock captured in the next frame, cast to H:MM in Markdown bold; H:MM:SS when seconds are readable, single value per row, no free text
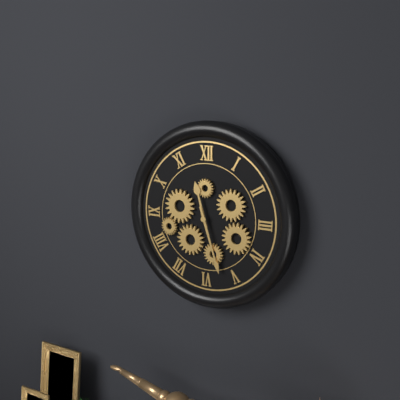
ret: **11:27**
